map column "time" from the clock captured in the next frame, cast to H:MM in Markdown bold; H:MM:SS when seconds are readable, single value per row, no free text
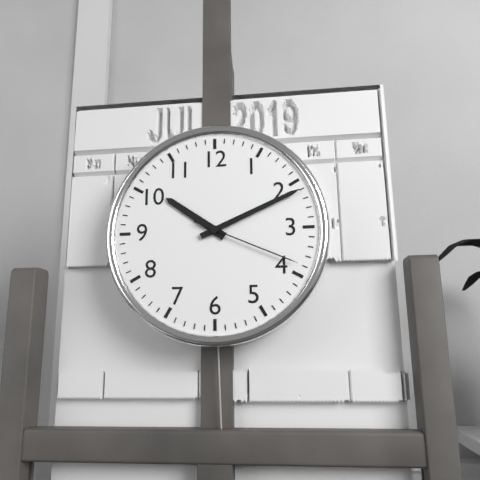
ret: **10:11:19**
